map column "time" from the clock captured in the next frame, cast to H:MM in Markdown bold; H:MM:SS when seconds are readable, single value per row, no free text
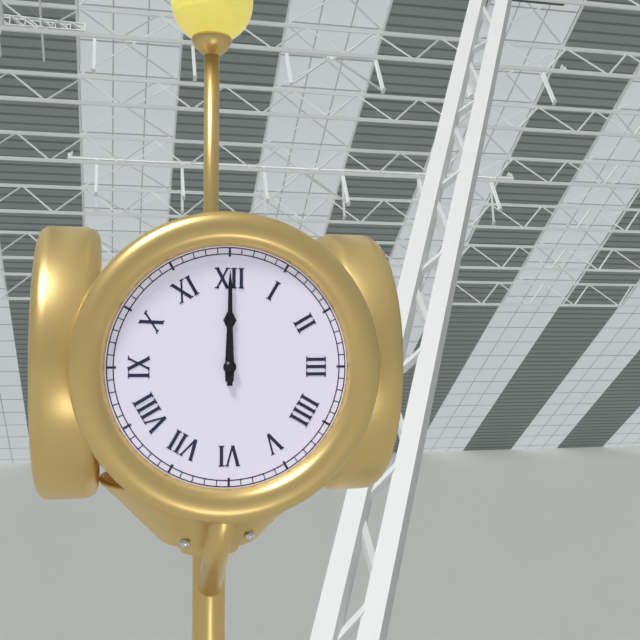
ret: **12:00**
